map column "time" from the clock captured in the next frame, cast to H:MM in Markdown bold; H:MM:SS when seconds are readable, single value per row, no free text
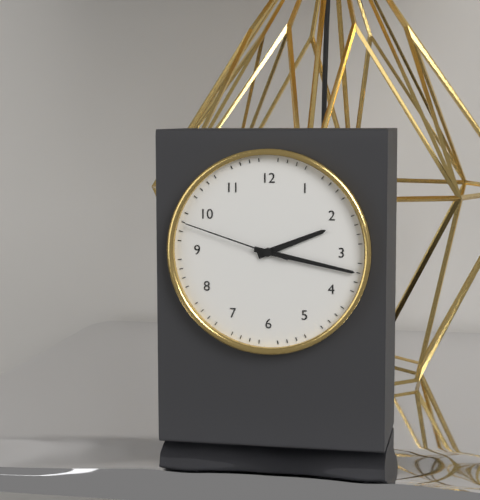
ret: **2:17:48**
